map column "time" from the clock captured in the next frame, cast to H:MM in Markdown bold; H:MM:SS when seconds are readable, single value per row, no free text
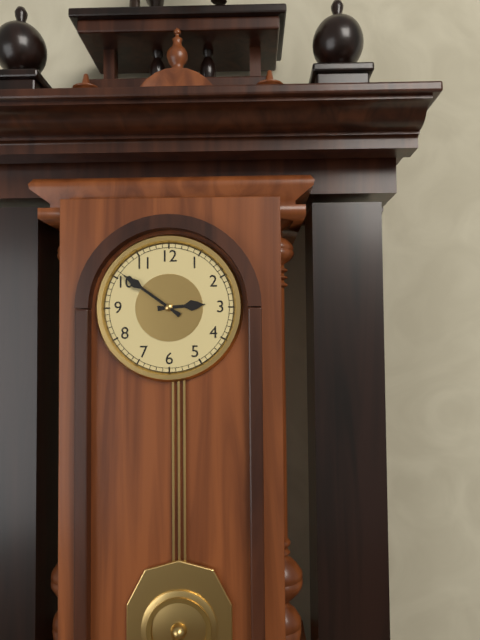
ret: **2:51**
